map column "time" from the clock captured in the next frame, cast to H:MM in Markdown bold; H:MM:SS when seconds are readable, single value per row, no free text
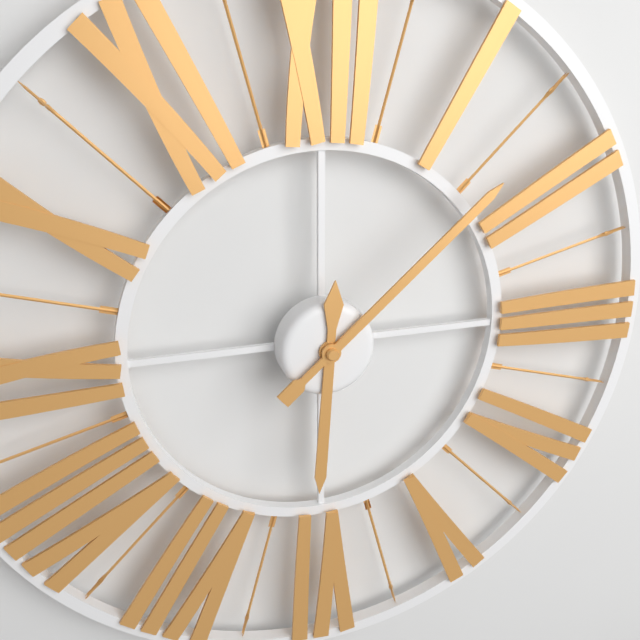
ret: **6:08**
